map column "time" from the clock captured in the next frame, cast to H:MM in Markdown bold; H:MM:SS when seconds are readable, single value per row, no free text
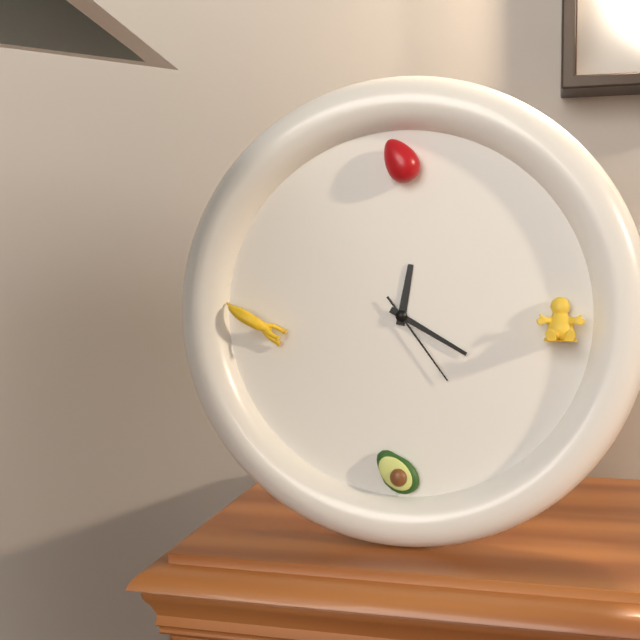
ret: **12:20:24**
